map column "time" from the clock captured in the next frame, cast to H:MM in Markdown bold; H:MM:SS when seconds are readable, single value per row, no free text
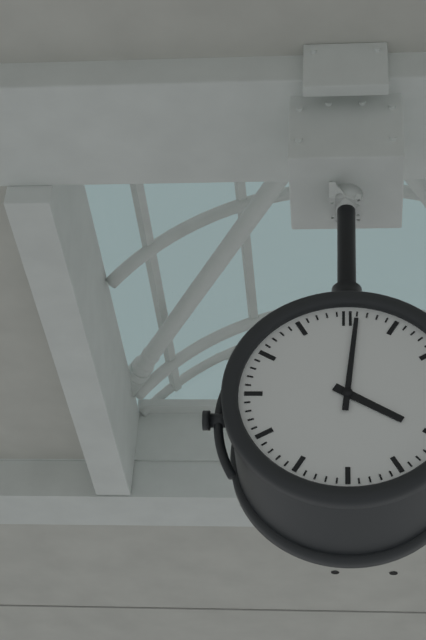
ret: **4:01**
